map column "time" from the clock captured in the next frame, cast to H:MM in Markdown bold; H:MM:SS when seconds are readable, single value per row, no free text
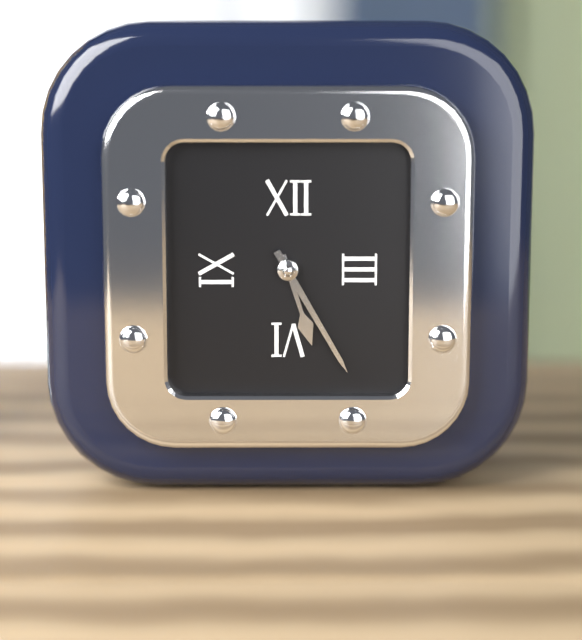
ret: **5:25**
